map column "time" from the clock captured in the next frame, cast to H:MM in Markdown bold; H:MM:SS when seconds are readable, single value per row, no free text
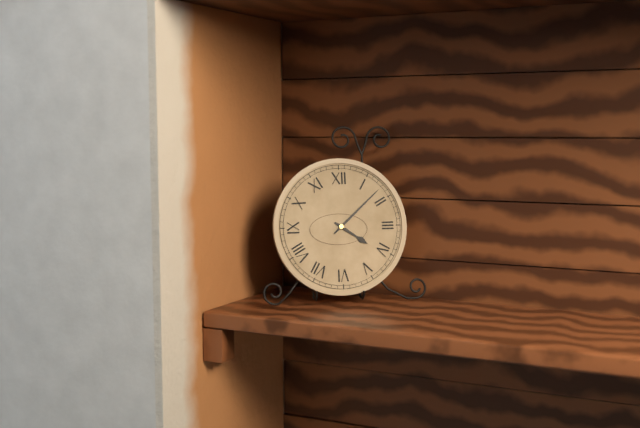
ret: **4:08**
